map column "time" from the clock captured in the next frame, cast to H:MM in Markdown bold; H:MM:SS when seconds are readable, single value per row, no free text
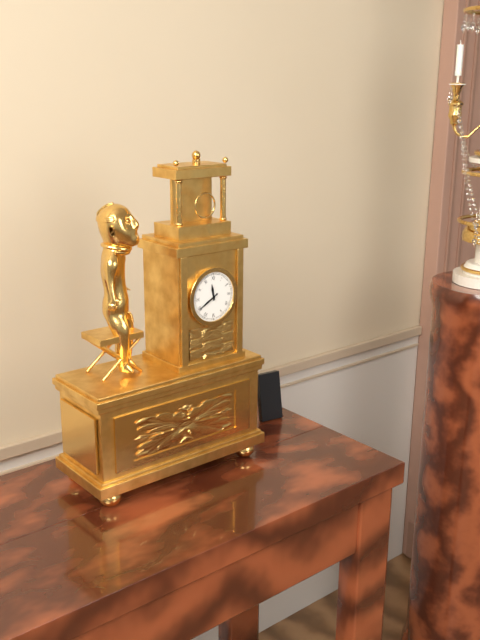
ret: **11:40**
